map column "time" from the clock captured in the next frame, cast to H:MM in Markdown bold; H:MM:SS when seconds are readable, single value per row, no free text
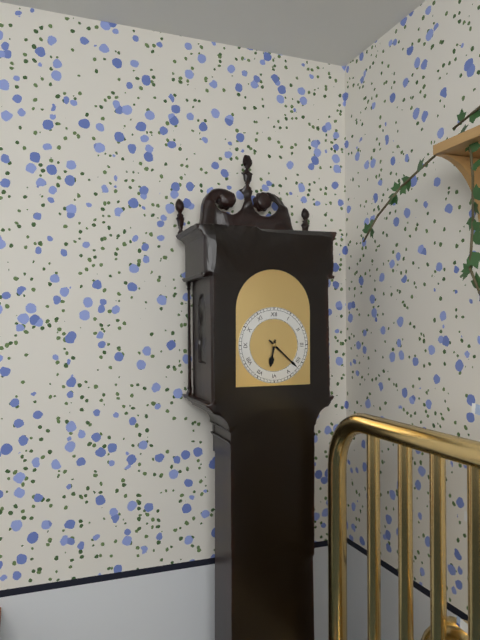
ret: **6:22**
